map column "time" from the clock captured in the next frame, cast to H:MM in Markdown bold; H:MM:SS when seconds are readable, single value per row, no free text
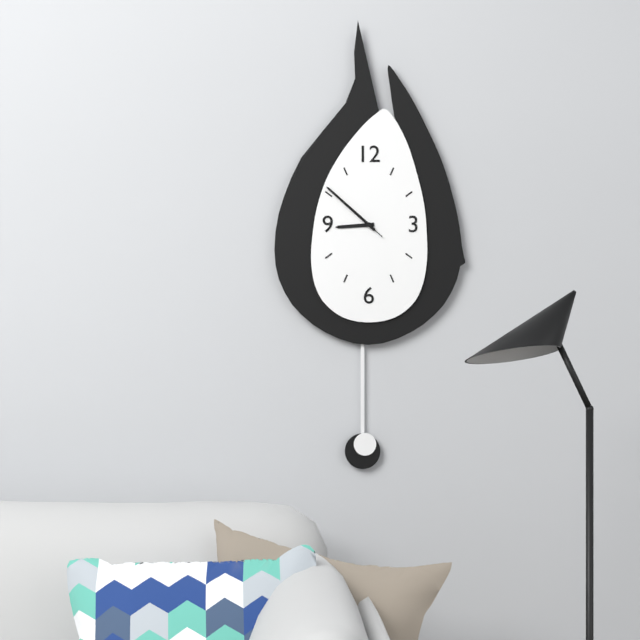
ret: **8:52:52**
